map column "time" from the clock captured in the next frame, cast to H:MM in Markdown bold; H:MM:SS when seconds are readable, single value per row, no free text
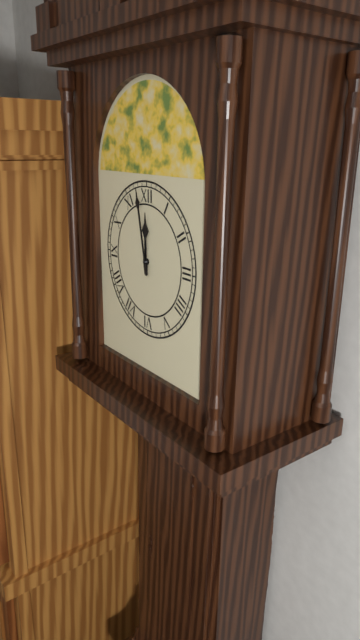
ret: **11:58**
